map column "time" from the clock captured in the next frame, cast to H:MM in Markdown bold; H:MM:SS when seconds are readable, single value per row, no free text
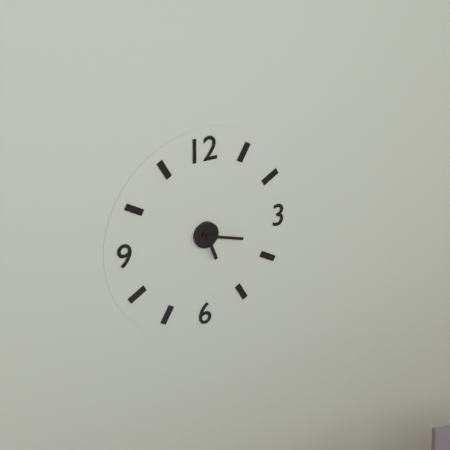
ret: **5:18**
